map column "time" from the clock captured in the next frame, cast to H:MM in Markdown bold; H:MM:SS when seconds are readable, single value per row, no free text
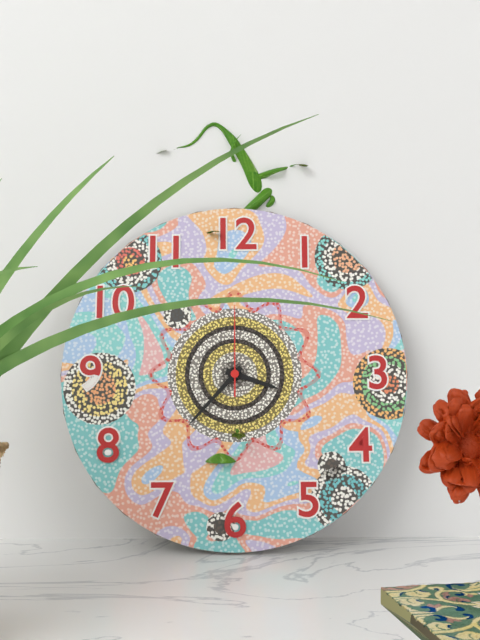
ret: **3:37:00**
